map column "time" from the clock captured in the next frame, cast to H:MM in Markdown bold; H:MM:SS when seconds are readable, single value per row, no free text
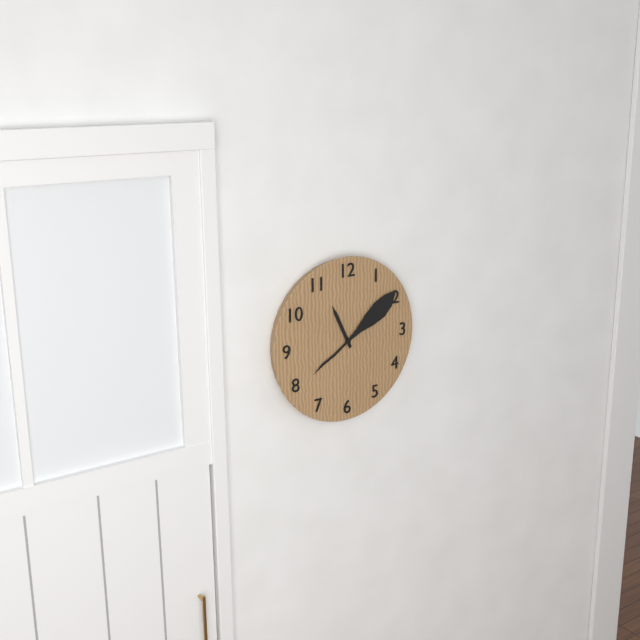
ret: **11:09**
